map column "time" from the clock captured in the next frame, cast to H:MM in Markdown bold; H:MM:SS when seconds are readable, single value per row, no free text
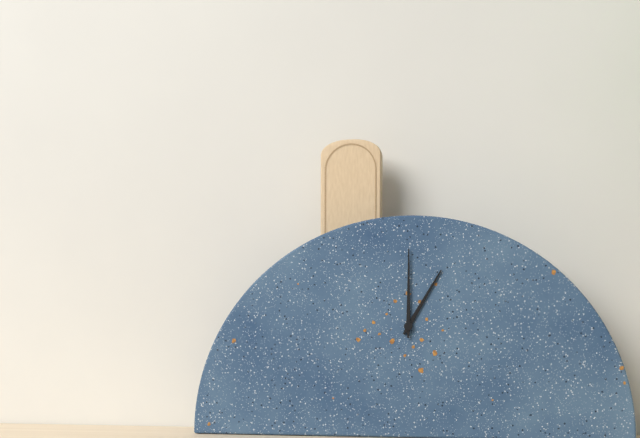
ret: **1:00**
